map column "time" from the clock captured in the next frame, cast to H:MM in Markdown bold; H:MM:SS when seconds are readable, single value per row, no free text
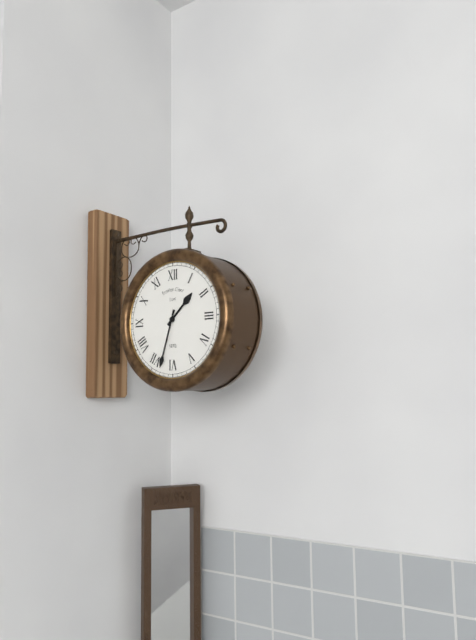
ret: **1:33**
